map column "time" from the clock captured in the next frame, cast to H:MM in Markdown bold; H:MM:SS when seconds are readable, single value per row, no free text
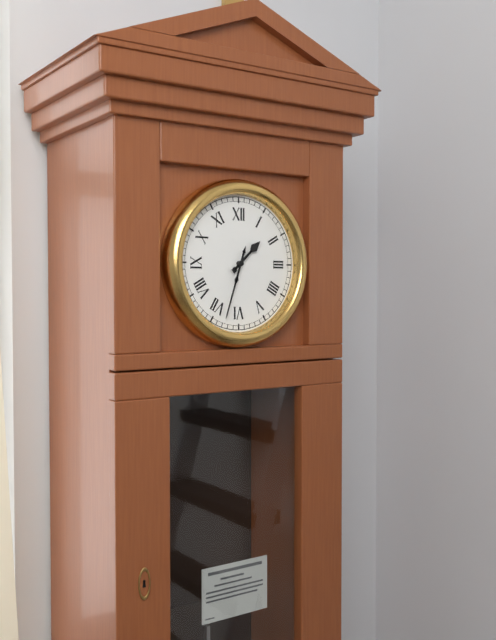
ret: **1:33**
